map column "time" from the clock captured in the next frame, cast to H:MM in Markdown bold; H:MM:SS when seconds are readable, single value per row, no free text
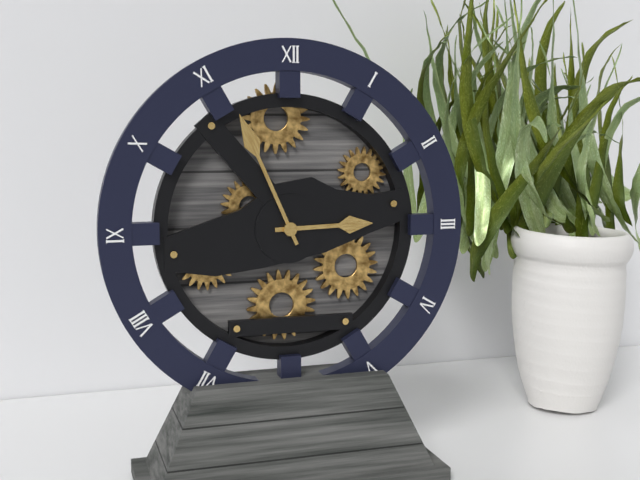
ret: **2:56**
